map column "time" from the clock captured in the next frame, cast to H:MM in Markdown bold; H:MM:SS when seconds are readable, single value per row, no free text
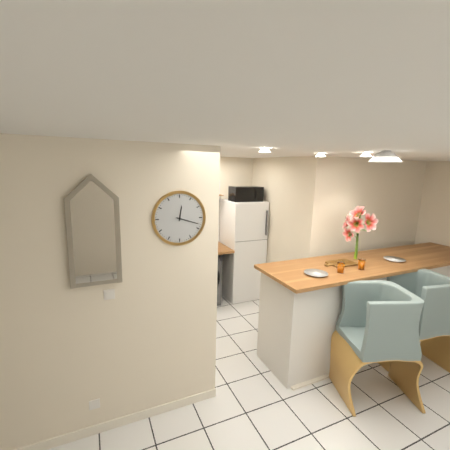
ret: **12:18**
